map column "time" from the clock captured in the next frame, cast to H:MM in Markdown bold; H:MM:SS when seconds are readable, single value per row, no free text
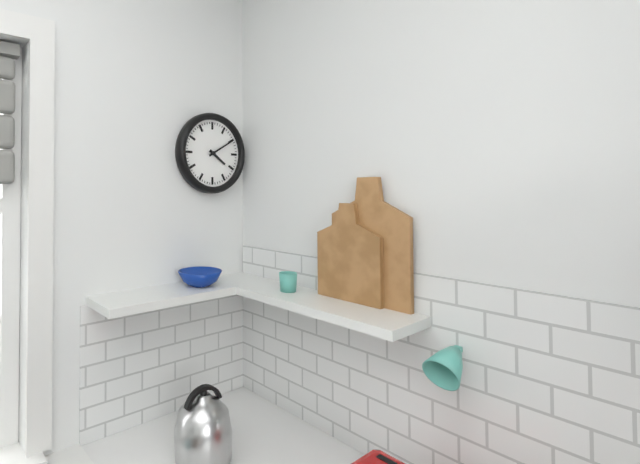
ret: **4:10**
